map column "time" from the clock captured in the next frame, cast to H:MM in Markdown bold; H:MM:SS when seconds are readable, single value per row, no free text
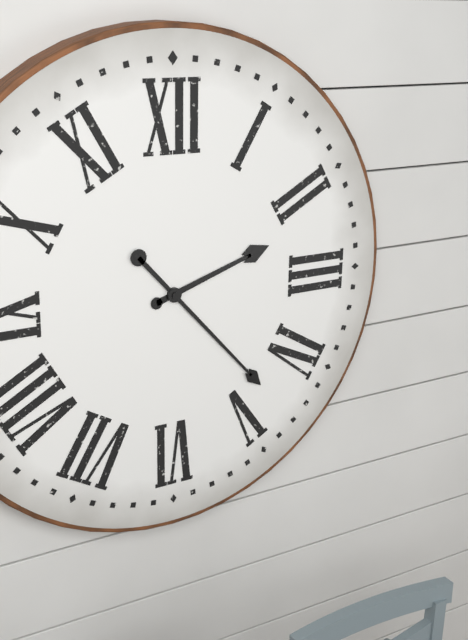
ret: **2:23**
